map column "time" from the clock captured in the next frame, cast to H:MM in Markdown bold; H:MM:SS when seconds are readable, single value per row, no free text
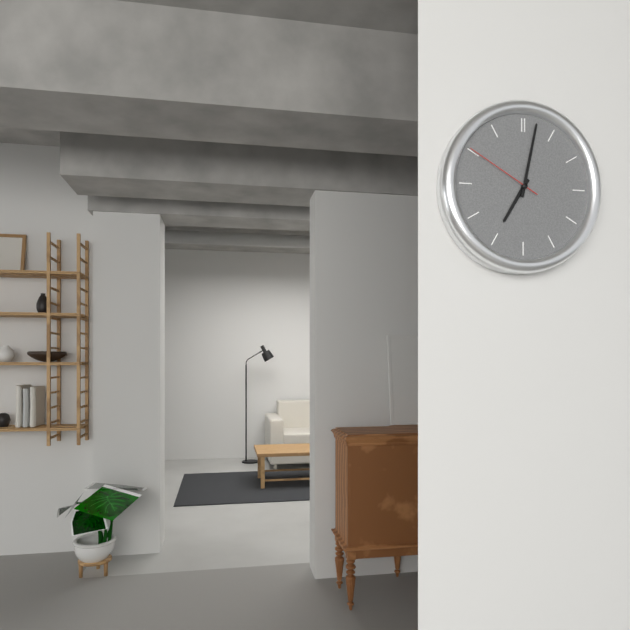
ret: **7:02:50**
